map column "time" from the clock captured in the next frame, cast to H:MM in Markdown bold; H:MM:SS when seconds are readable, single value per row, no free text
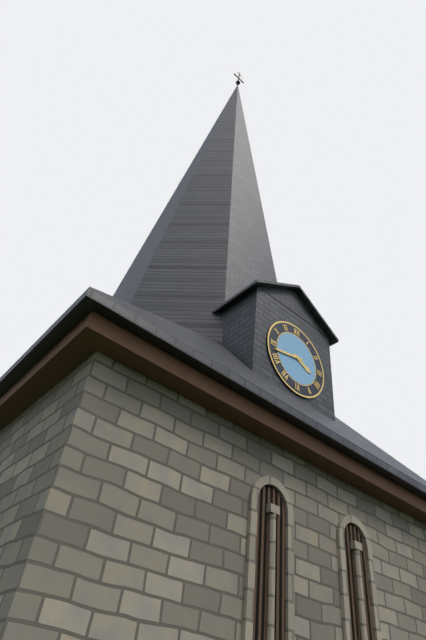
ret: **3:43**
